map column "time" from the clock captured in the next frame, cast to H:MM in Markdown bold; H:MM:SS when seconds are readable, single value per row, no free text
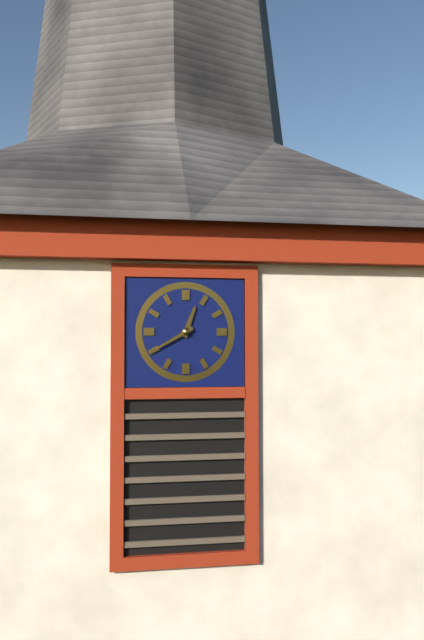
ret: **12:40**
